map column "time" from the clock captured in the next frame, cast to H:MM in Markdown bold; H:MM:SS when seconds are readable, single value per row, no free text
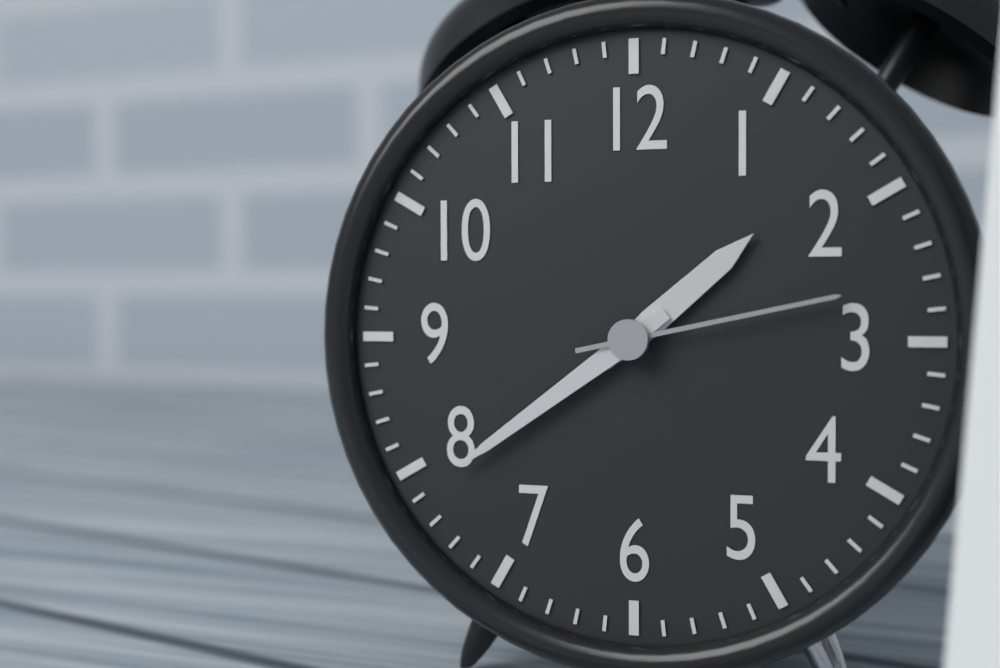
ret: **1:39:13**
